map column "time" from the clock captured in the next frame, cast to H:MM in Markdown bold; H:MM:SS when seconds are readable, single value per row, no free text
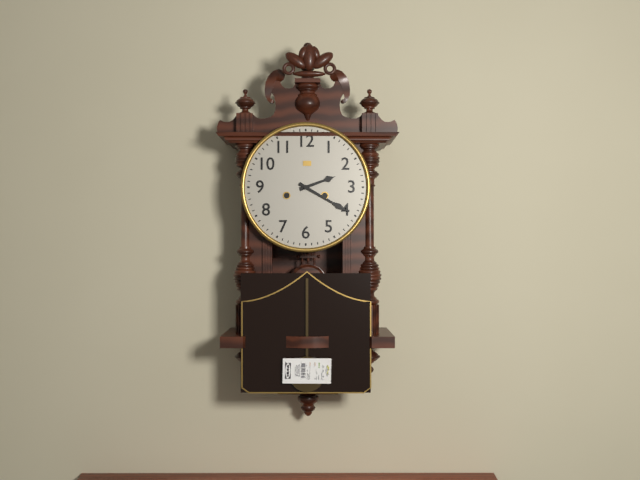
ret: **2:20**
